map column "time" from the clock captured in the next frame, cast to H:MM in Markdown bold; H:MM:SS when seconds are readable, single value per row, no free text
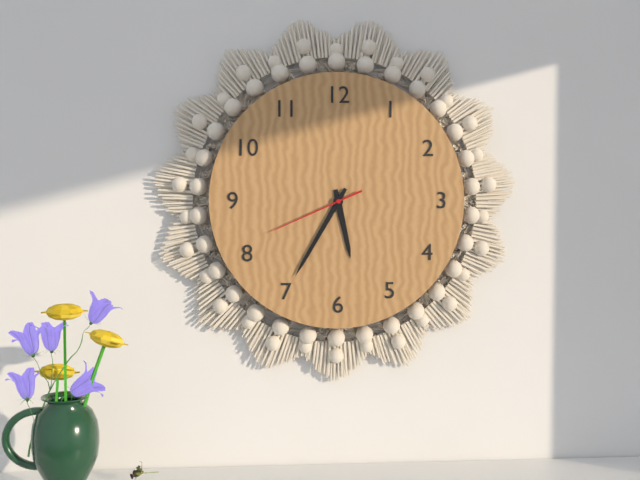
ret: **5:35:41**
